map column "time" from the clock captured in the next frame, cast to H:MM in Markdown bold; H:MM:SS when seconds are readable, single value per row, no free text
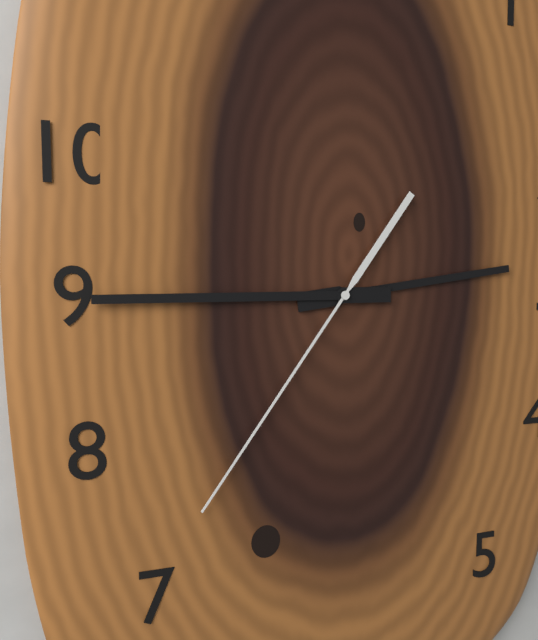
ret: **2:45:36**
